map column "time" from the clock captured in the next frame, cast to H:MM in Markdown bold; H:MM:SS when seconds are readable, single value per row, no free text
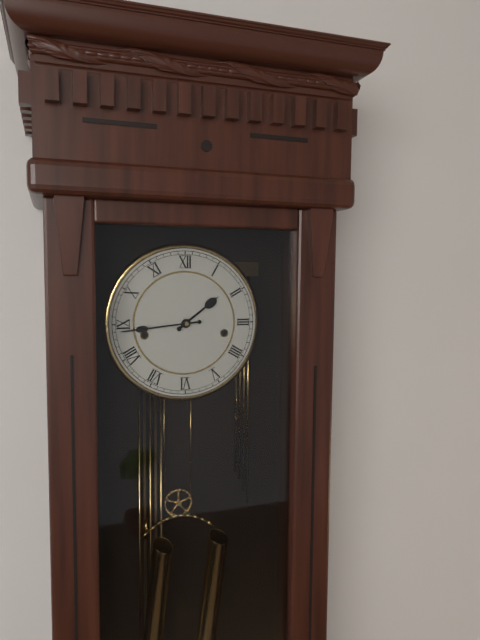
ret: **1:44**
